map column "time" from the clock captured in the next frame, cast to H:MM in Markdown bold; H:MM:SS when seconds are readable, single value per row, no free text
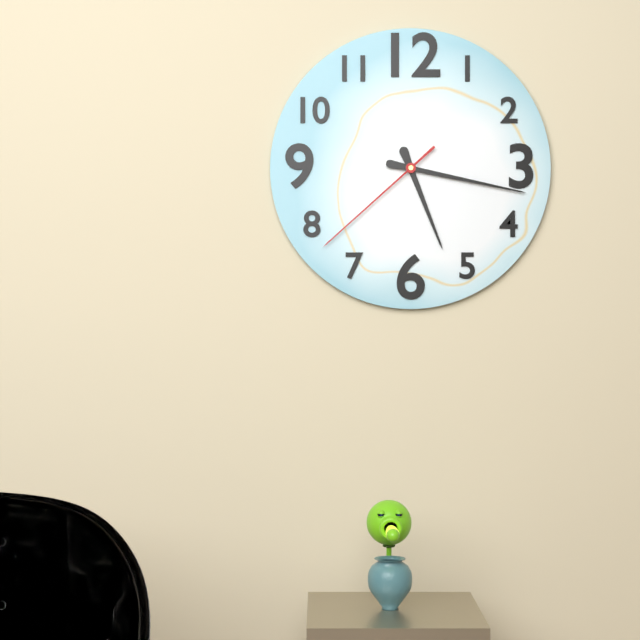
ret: **5:17:38**
